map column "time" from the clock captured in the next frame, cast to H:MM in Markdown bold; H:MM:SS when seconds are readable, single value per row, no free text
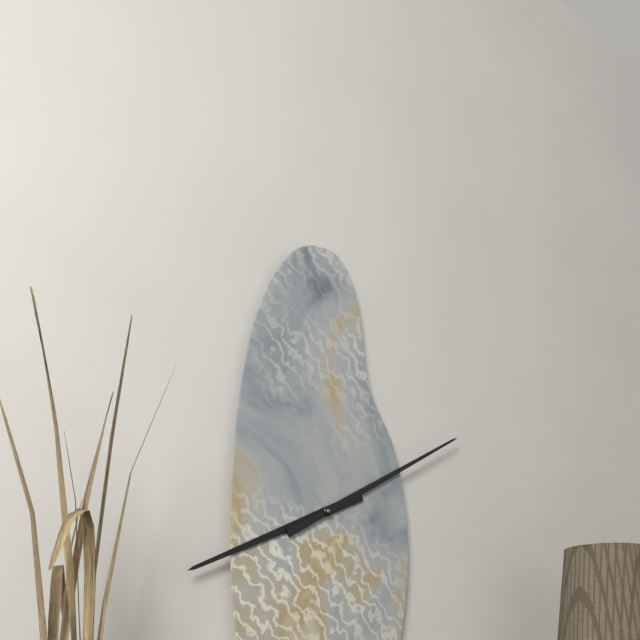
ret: **8:10**
